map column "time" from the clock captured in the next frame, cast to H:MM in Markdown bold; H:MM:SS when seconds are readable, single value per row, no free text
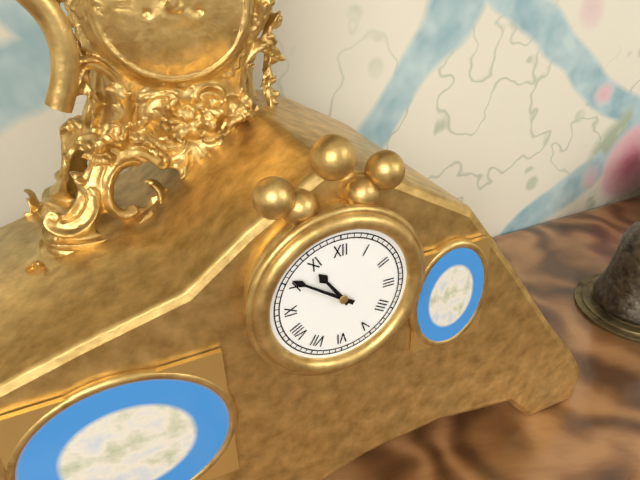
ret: **10:51**
